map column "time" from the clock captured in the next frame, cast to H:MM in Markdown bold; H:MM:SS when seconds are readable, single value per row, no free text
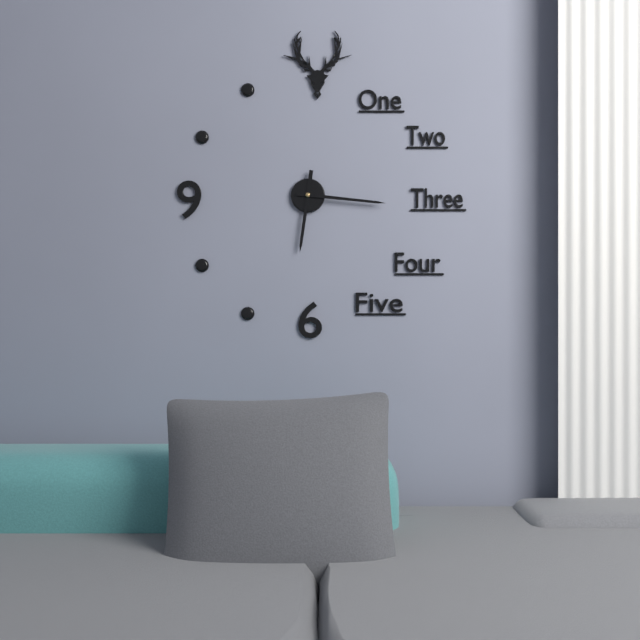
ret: **6:16**
